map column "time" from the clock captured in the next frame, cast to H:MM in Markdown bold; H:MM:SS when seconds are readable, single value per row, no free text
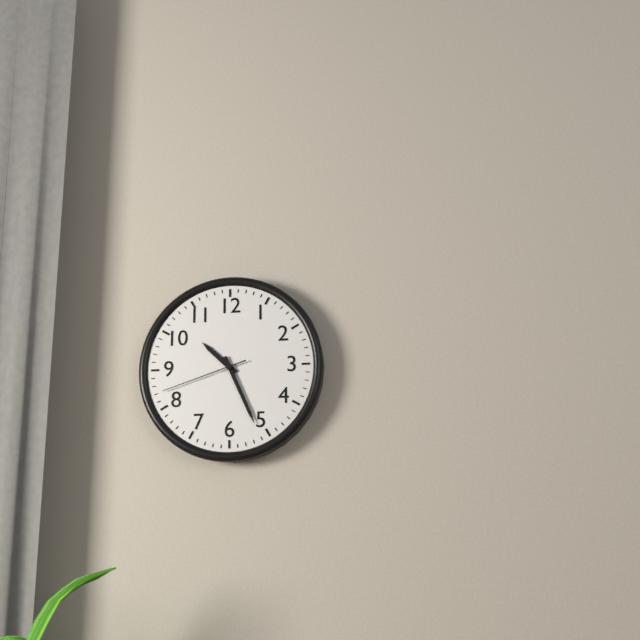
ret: **10:26:42**
